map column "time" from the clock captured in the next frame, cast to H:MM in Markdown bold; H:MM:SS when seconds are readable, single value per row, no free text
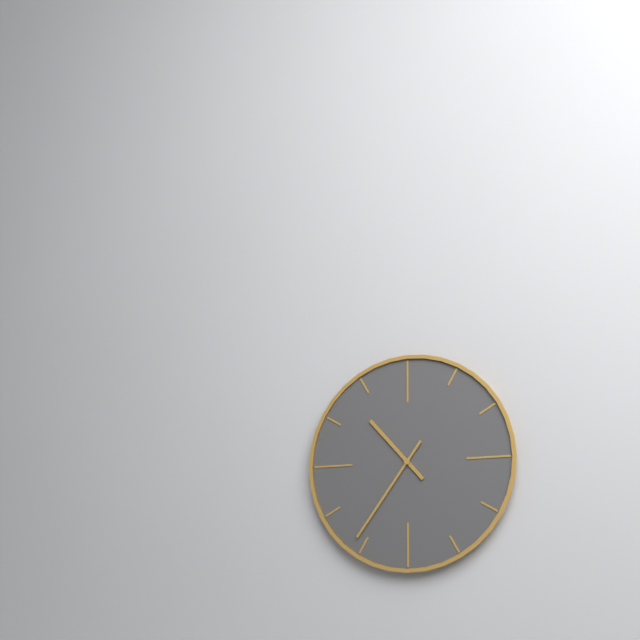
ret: **10:36**
